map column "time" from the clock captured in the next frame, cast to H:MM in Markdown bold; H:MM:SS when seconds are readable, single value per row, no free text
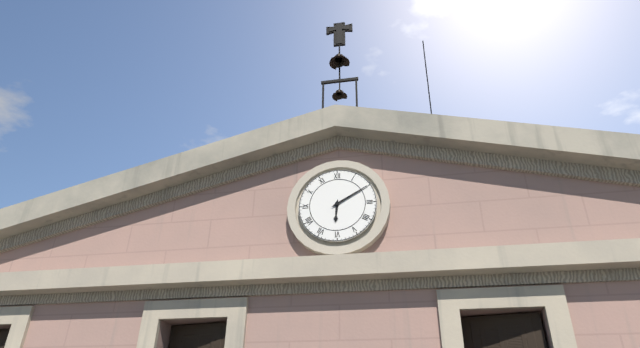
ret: **6:10**
